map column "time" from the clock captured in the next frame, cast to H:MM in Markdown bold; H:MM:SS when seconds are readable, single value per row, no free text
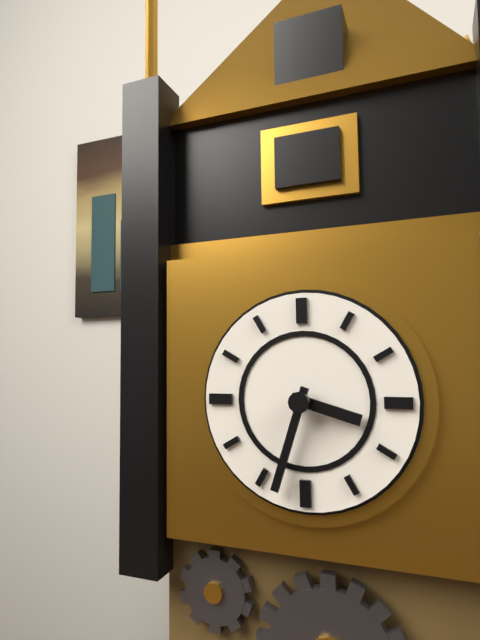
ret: **3:33**
